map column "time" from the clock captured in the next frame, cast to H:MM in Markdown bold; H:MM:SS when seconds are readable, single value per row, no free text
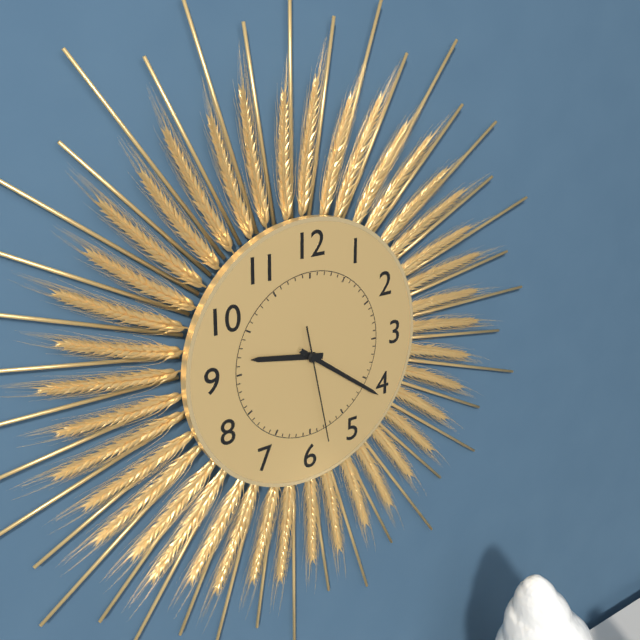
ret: **9:21:28**
